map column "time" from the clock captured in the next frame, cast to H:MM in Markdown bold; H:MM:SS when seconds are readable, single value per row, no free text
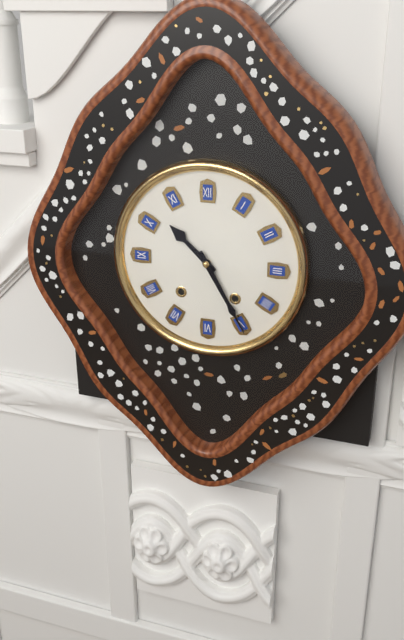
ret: **10:25**
